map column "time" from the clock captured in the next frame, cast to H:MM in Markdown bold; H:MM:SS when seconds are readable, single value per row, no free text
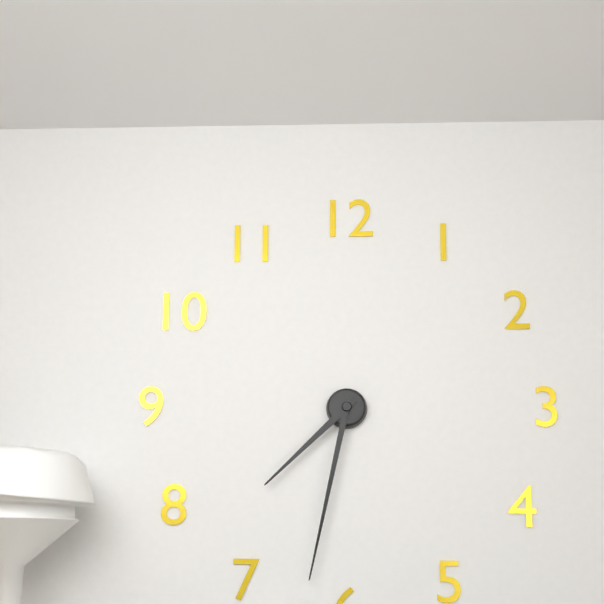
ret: **7:32**
